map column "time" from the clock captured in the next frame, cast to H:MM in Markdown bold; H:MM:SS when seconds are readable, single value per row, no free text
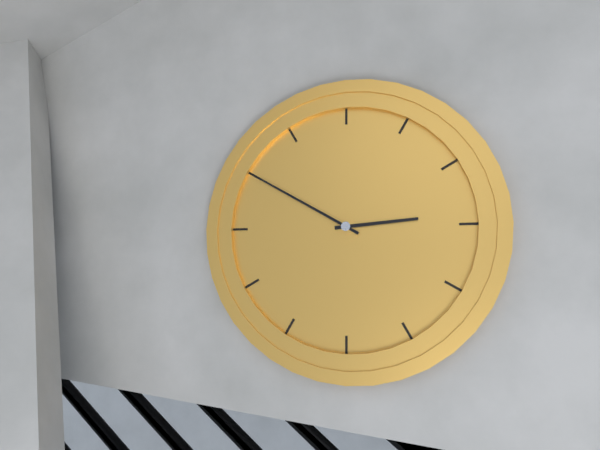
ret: **2:50**
